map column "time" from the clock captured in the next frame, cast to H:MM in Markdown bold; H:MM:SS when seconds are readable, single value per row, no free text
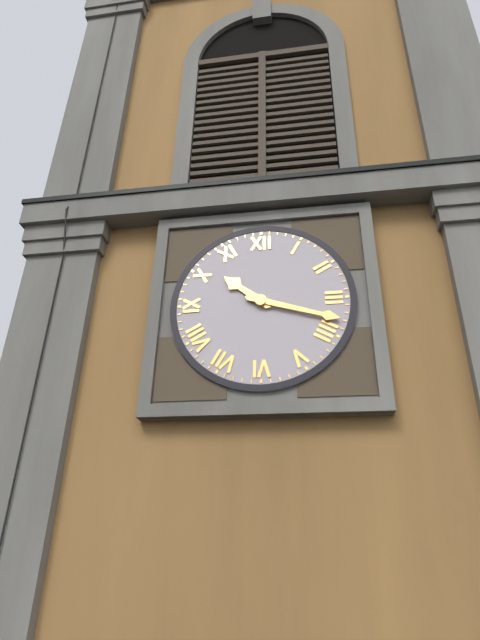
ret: **10:18**
